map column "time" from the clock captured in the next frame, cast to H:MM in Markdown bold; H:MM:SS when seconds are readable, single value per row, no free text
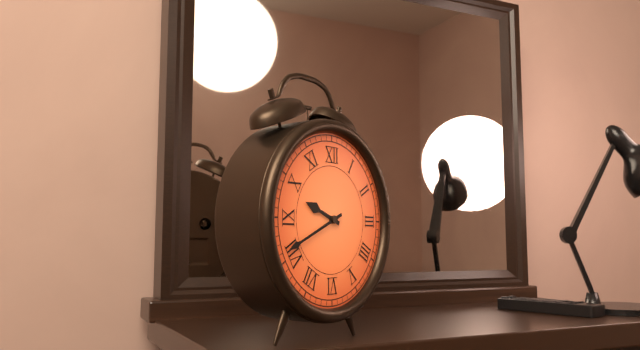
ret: **9:41**
